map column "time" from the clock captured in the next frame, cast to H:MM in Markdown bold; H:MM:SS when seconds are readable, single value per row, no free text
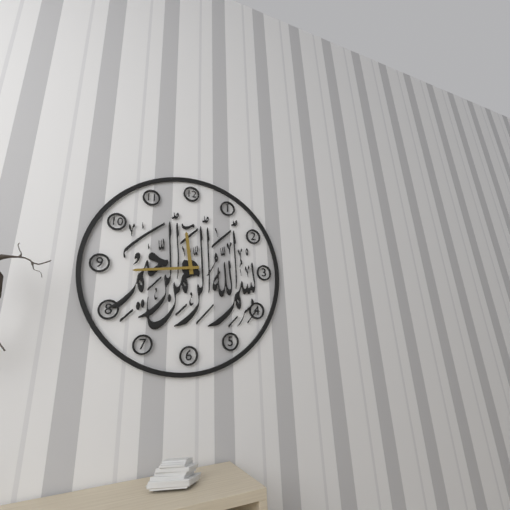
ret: **11:44**
